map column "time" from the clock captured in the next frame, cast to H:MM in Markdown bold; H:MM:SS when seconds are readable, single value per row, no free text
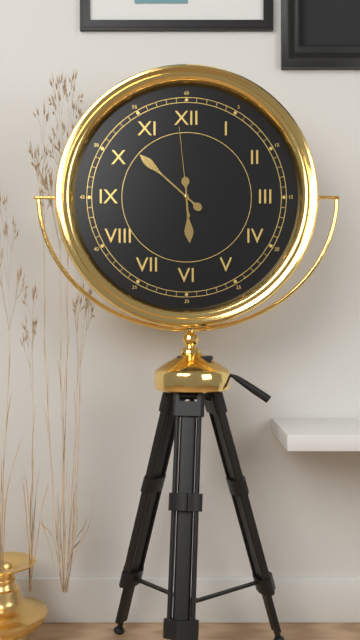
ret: **5:52:59**
